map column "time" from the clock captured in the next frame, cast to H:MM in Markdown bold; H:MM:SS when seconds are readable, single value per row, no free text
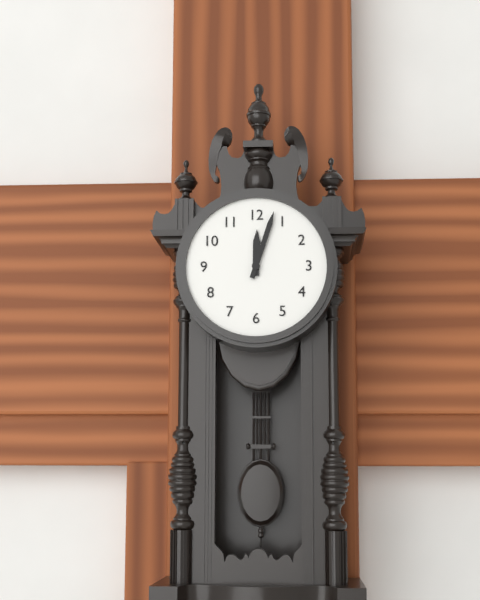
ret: **12:03**
